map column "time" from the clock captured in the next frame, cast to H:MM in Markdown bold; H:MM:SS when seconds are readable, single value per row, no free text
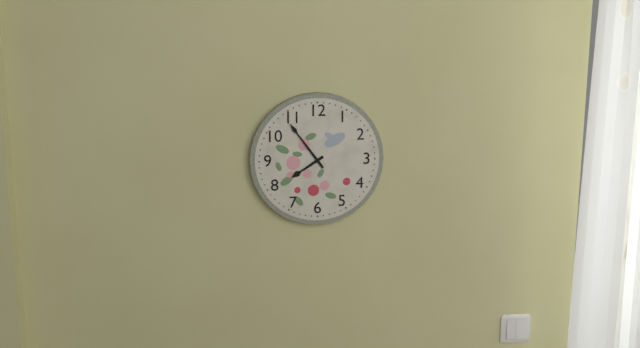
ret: **7:54**
